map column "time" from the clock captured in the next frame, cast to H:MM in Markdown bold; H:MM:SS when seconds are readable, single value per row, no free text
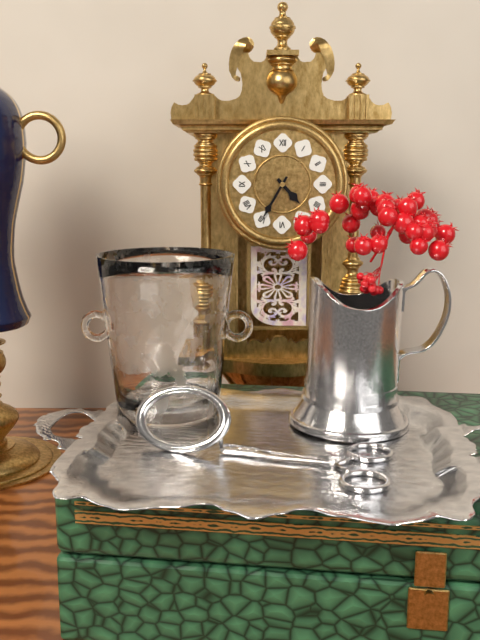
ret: **4:35**
